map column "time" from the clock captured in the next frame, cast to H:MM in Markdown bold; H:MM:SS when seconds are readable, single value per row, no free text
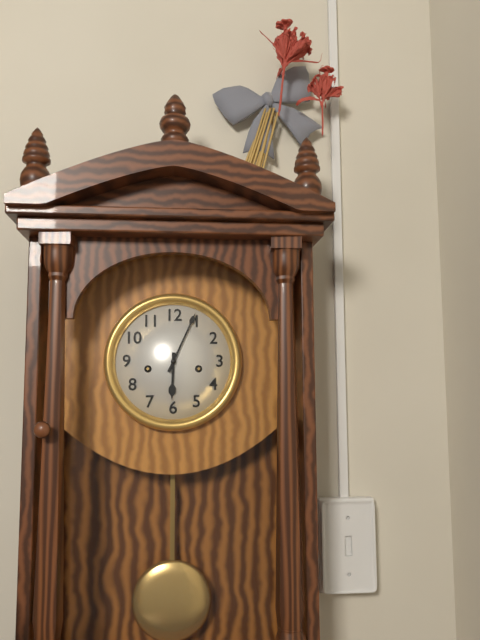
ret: **6:04**
